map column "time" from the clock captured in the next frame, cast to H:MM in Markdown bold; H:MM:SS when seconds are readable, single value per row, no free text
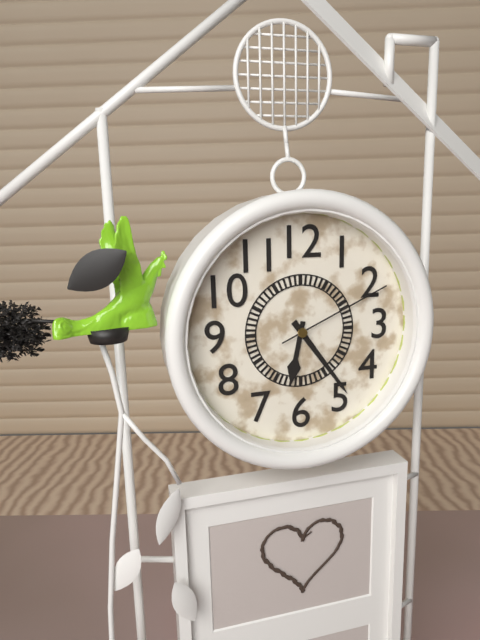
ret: **6:24:11**
